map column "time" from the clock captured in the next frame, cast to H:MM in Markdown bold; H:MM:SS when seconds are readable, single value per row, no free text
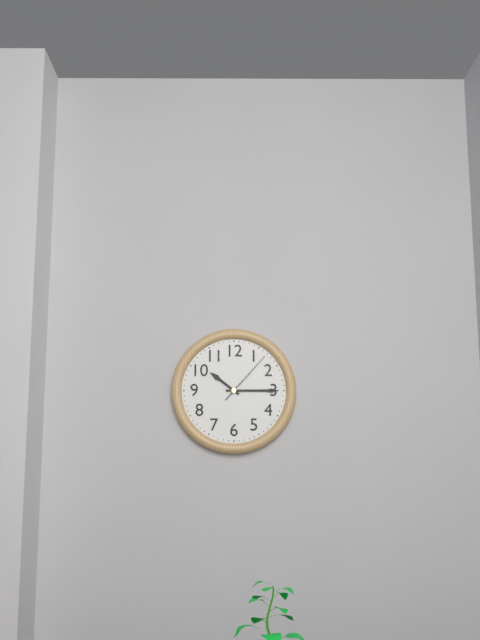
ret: **10:15:07**
